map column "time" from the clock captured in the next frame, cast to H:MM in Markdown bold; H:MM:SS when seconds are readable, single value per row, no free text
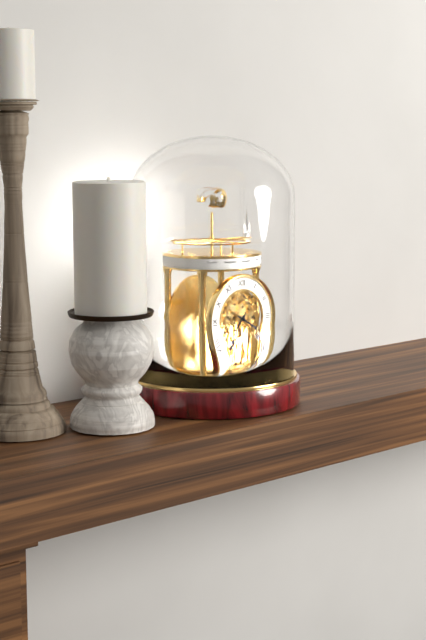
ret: **7:20**
